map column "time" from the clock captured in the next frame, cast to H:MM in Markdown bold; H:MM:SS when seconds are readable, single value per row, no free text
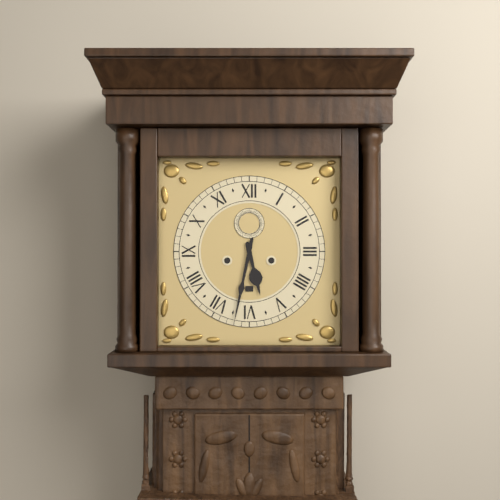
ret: **5:32**
